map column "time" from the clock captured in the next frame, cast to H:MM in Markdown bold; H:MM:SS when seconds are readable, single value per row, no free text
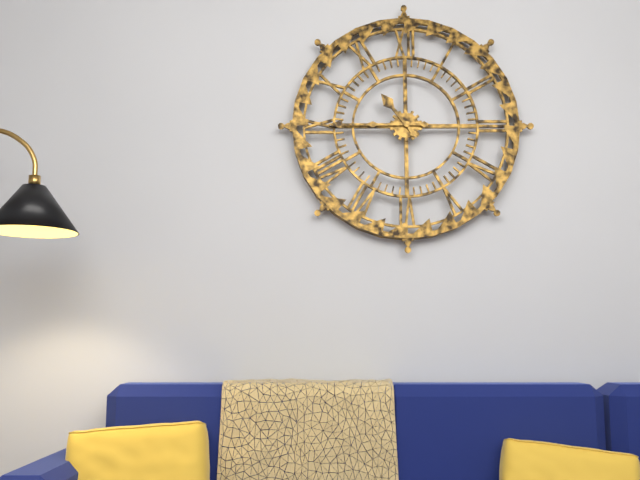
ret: **10:45**
